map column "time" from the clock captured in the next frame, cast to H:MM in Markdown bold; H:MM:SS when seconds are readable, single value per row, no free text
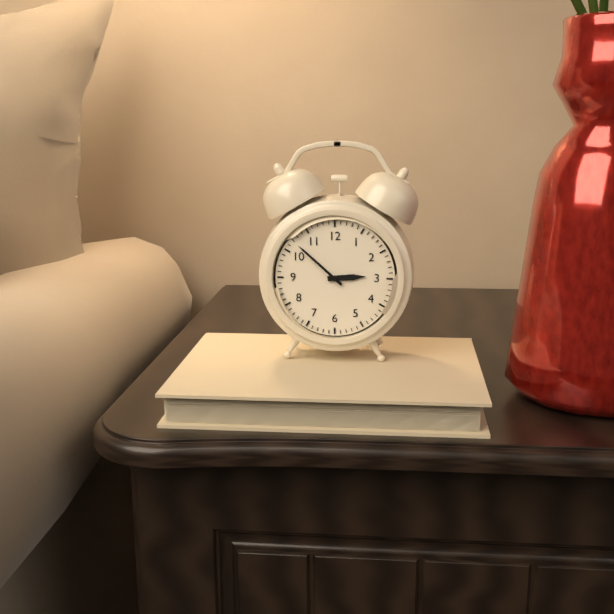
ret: **2:52**
